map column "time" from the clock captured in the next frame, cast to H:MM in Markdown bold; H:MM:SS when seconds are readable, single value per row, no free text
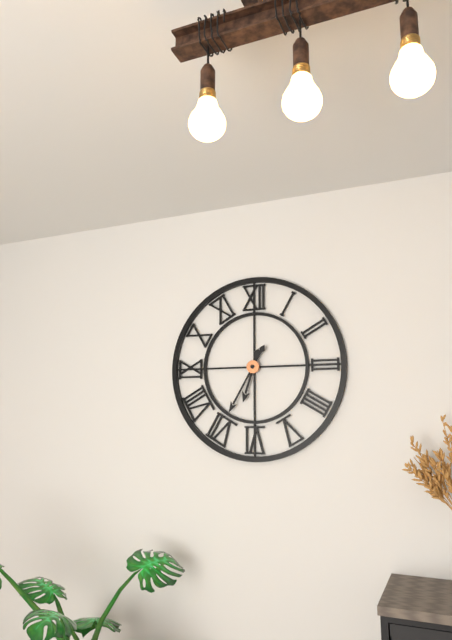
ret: **6:35**
